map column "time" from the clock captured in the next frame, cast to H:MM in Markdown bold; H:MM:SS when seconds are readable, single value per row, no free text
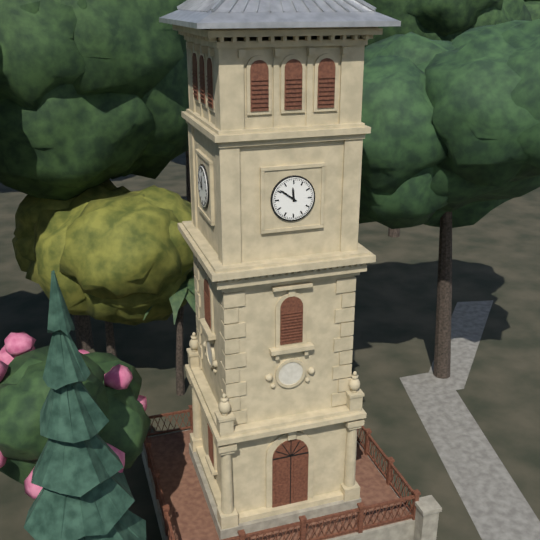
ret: **11:51**
